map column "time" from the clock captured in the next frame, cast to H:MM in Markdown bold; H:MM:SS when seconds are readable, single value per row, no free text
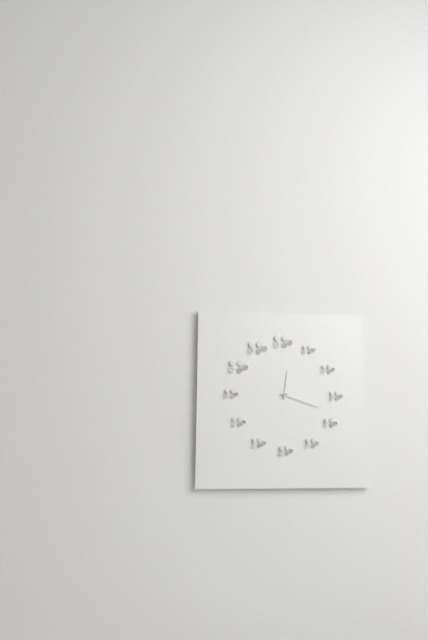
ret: **12:18**
